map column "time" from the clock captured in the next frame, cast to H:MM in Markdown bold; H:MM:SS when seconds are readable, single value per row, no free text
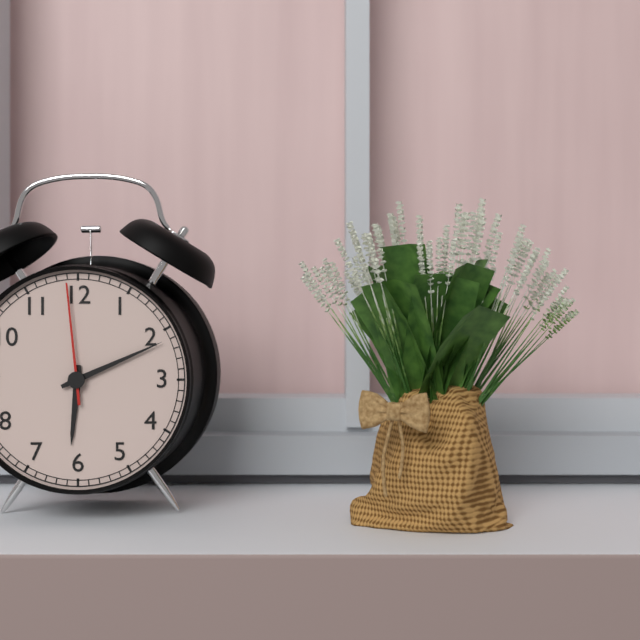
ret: **6:11:59**
